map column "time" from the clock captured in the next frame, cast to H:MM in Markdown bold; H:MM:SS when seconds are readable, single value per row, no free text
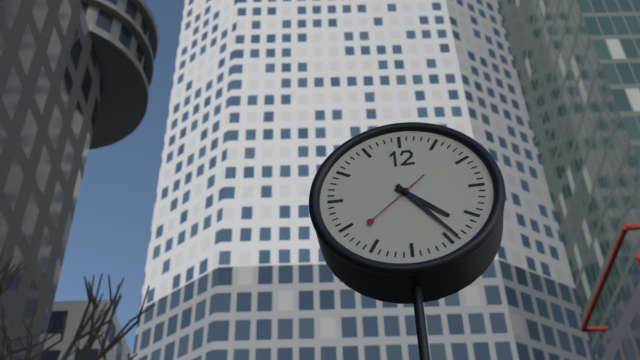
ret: **4:24:38**
